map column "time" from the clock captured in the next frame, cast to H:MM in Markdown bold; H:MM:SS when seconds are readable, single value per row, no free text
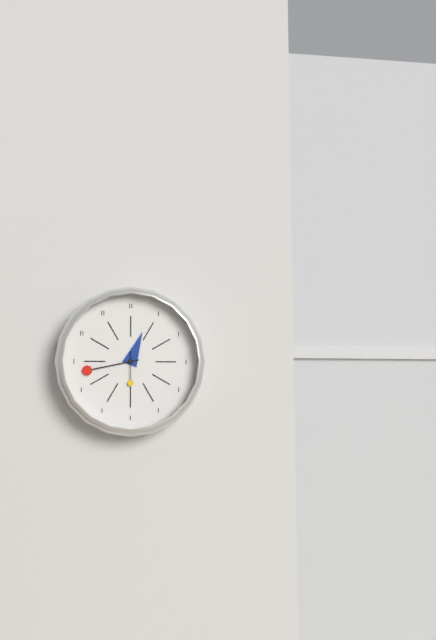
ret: **12:43**
